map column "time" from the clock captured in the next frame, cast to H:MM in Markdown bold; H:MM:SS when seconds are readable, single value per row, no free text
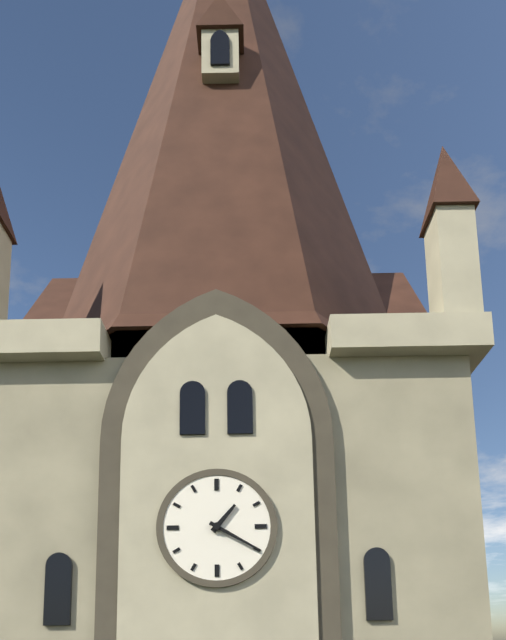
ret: **1:20**
